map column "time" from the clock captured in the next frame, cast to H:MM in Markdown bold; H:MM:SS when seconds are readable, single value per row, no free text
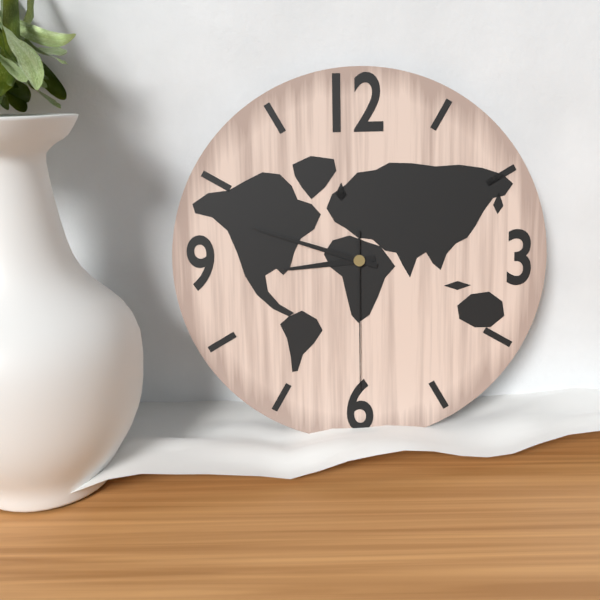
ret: **8:48:30**
